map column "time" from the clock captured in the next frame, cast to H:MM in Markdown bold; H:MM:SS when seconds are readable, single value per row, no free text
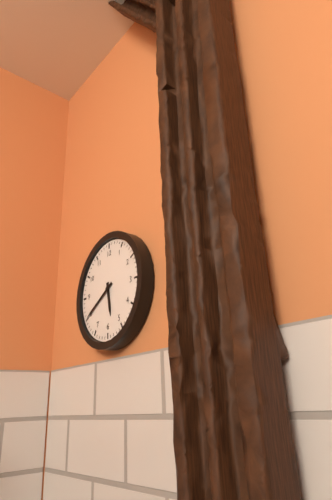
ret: **5:40**
